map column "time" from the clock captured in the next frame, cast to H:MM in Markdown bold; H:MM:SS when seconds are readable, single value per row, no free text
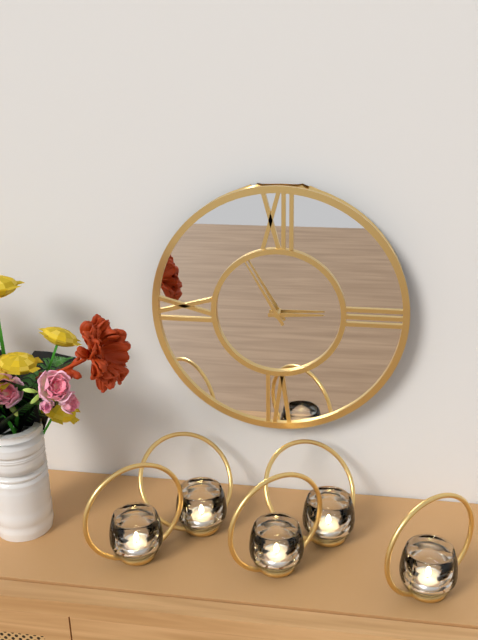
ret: **2:55**
